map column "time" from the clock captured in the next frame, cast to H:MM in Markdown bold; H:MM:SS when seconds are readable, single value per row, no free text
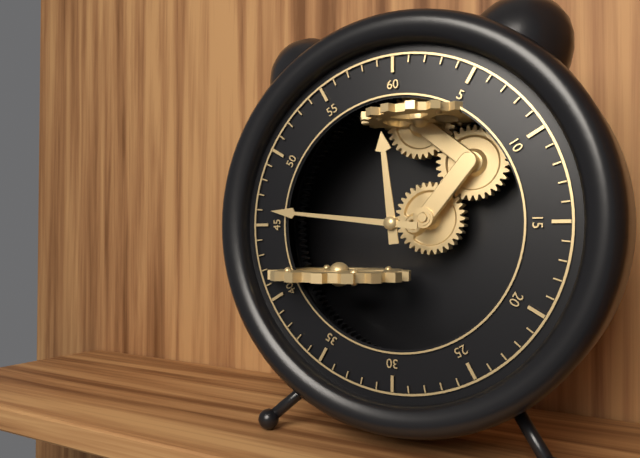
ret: **11:46**
